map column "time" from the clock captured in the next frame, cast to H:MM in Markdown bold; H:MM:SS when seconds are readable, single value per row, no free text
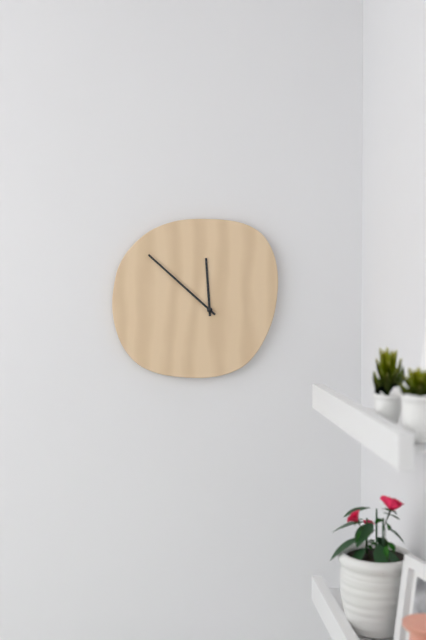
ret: **11:52**
